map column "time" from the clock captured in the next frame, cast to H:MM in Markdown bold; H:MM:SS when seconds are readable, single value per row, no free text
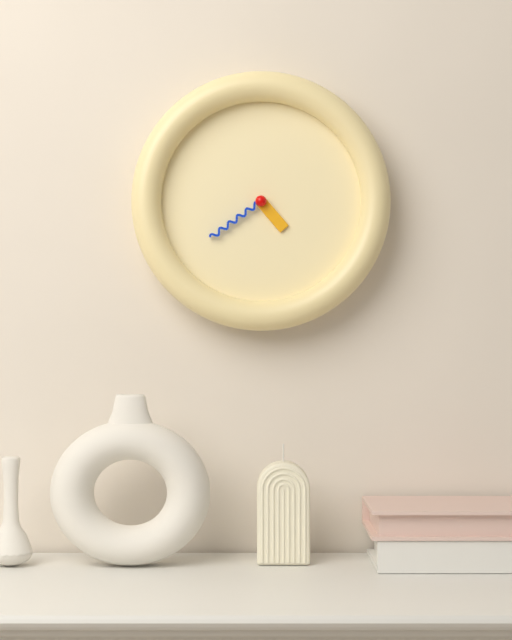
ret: **4:39**
